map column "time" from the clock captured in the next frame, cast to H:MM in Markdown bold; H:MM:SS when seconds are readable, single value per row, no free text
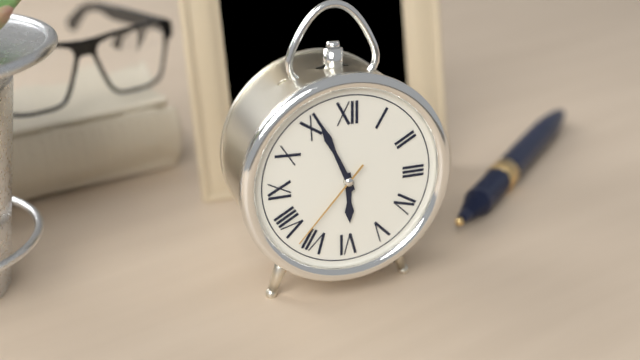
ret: **5:56:37**
